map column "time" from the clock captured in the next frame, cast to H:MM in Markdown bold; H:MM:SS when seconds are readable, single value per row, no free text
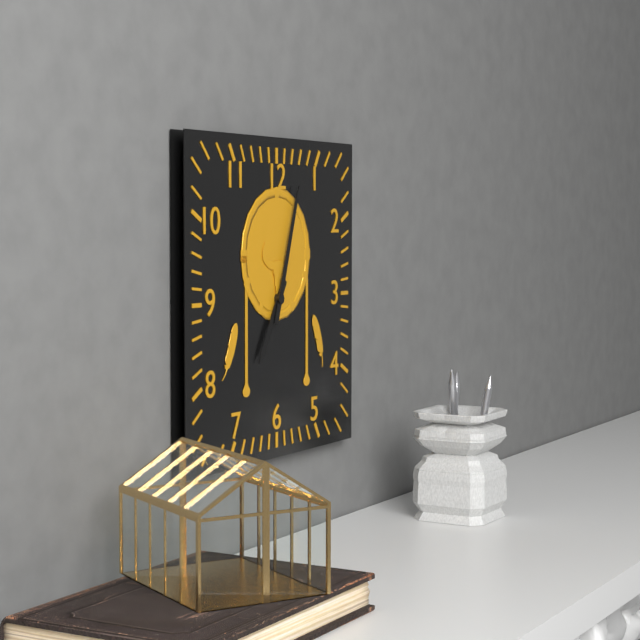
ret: **7:03**
